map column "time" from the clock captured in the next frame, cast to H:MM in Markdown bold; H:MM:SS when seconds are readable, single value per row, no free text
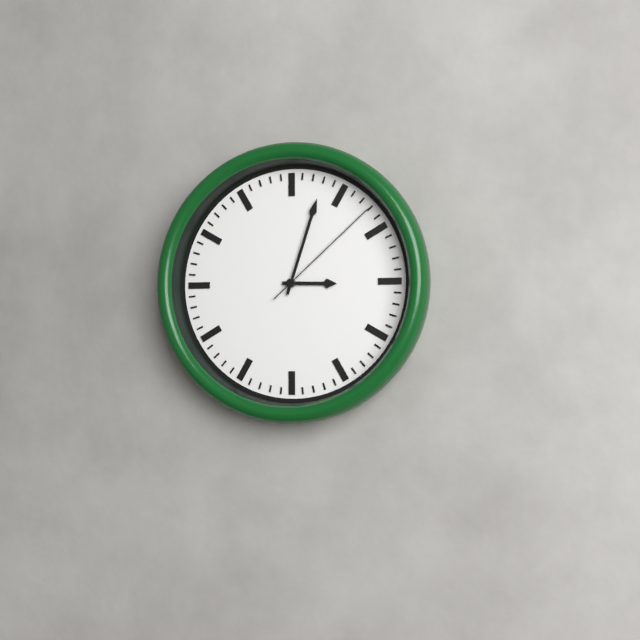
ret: **3:03:08**
